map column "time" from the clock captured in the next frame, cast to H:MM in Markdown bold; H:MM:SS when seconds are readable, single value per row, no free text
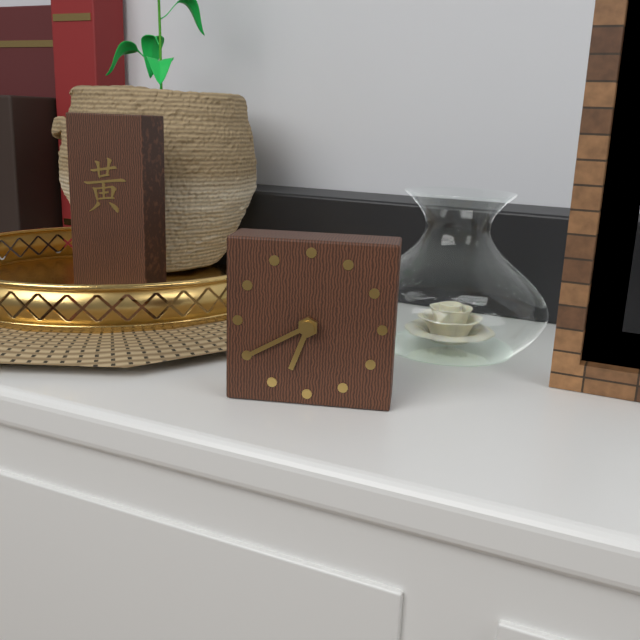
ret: **6:40**
